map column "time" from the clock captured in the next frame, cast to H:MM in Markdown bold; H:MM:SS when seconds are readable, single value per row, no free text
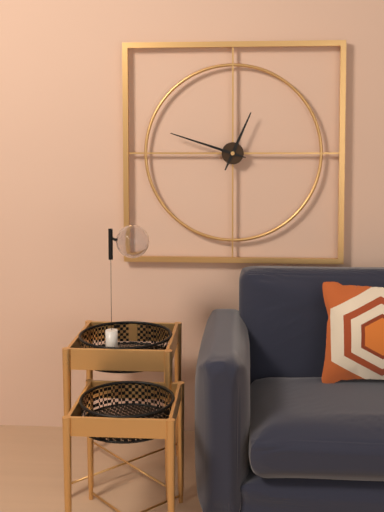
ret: **12:48**
